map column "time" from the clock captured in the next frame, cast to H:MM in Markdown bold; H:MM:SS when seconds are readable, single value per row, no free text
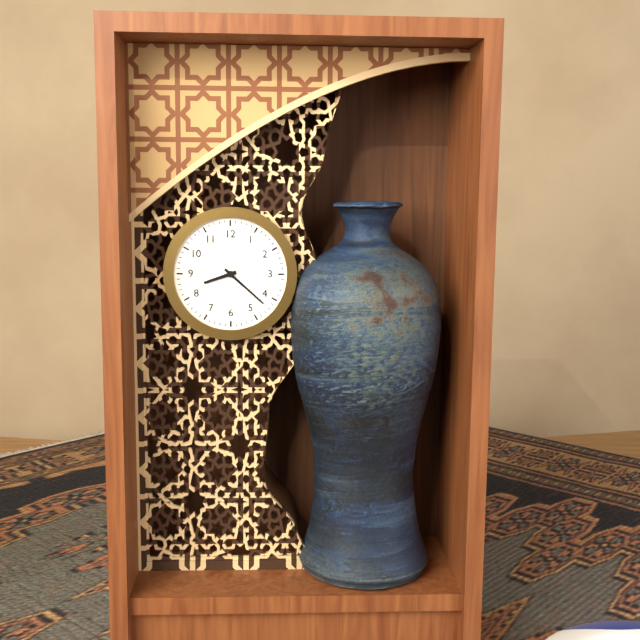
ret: **8:22**
